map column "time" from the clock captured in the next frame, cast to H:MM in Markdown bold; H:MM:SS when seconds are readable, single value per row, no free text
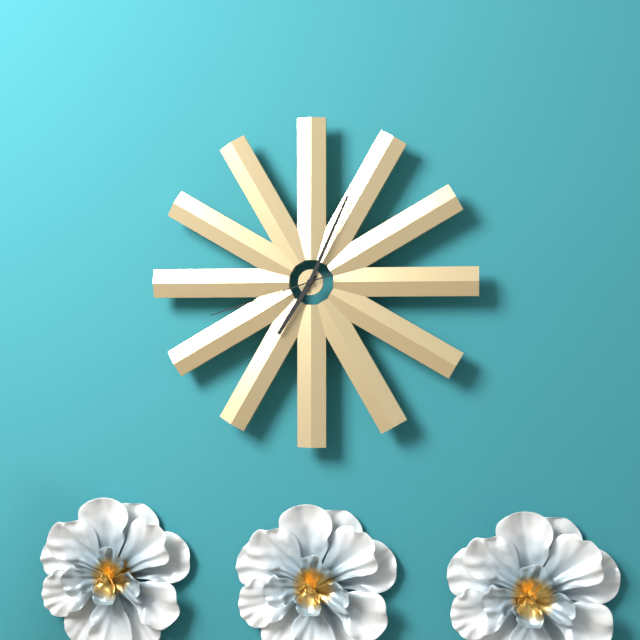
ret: **7:04:42**
